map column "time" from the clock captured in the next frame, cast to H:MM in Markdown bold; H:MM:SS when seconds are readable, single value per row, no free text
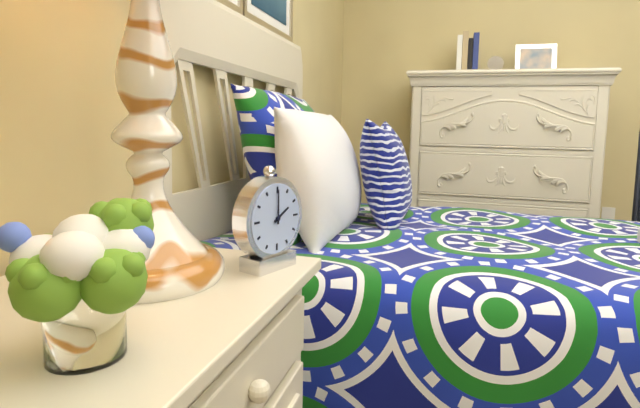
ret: **2:00**
